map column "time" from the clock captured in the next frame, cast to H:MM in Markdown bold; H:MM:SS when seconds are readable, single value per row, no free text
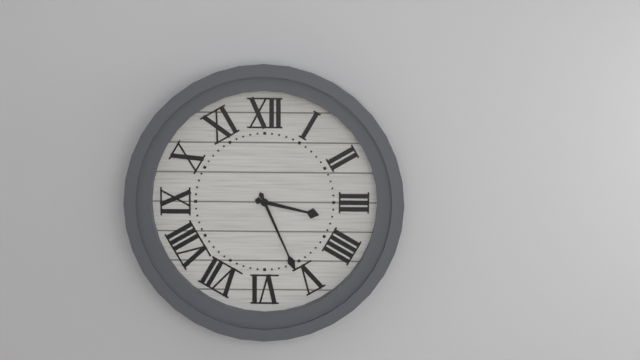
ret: **3:26**
